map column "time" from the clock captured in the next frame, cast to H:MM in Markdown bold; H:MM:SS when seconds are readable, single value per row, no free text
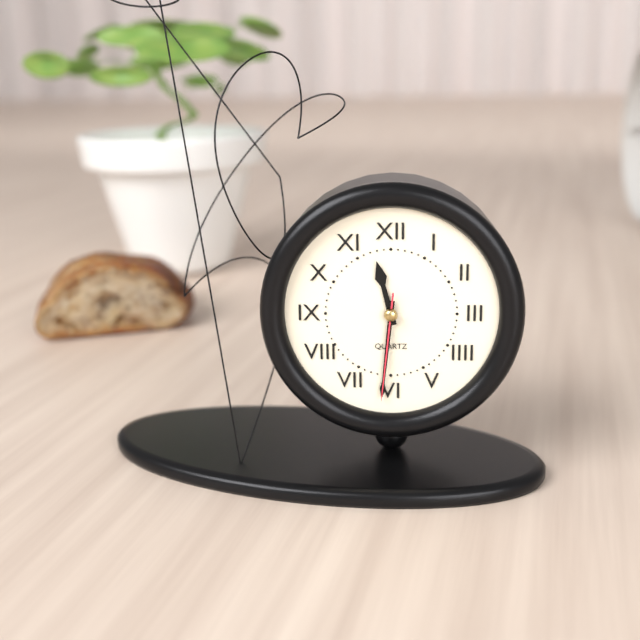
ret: **11:31:31**
